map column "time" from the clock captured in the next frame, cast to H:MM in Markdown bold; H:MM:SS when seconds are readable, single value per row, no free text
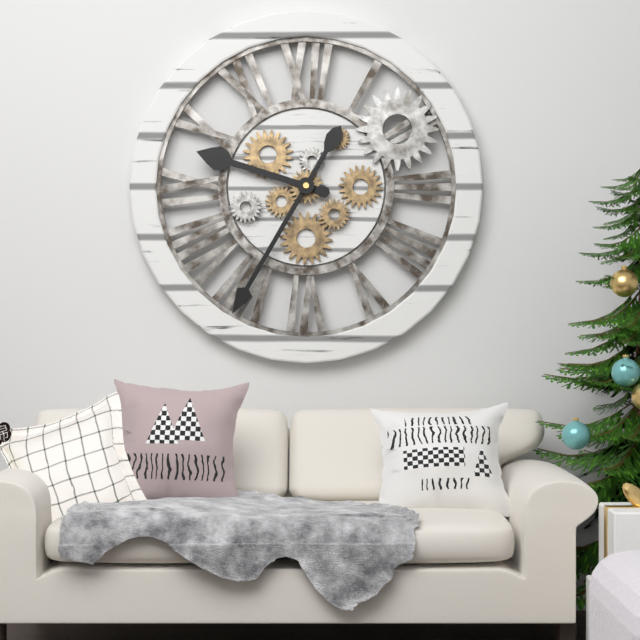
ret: **9:35**
